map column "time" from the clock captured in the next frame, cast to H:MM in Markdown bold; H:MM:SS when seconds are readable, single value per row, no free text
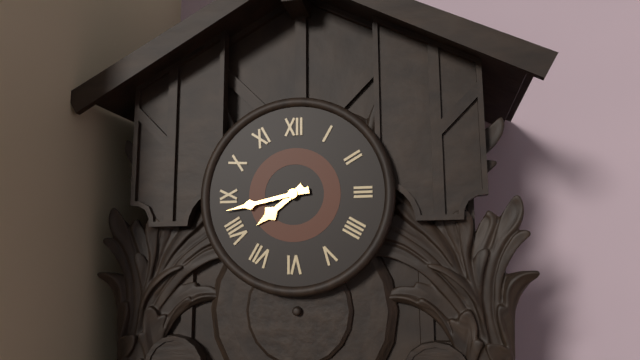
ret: **7:43**
